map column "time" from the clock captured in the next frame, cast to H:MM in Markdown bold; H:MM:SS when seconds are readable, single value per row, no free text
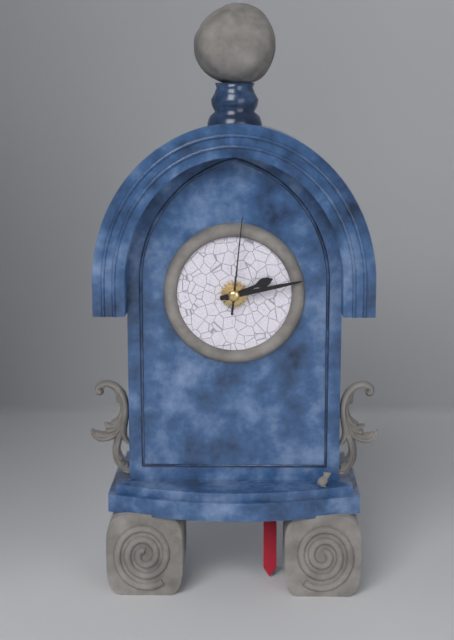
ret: **2:13:01**
